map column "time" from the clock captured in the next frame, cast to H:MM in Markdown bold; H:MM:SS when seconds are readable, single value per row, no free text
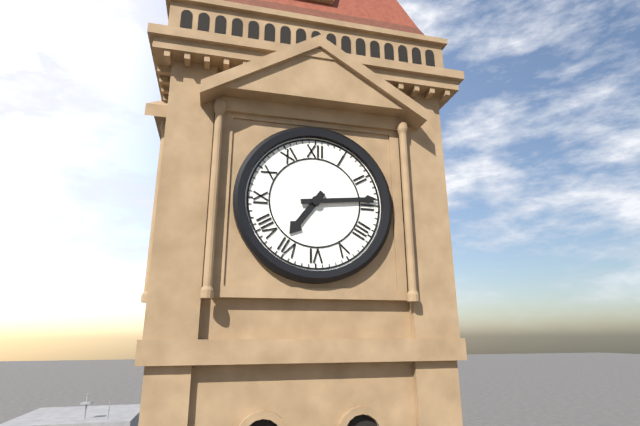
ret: **7:14**
